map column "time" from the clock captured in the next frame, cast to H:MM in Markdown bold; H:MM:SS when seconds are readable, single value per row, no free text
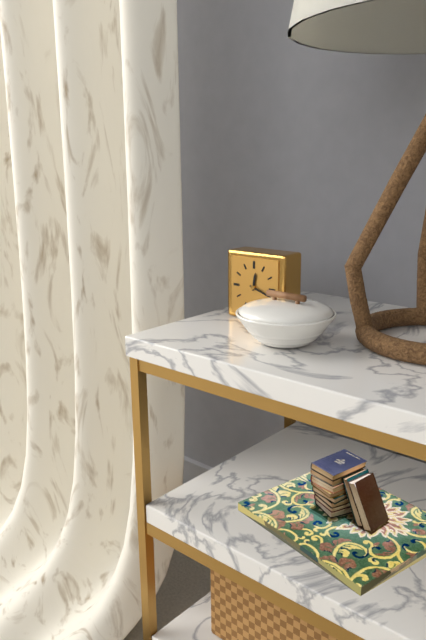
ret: **12:18**
